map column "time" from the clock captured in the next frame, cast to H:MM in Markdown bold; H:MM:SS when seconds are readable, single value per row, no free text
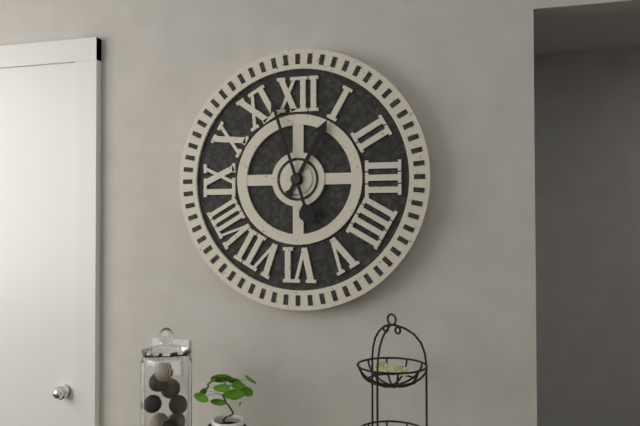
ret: **12:57**
